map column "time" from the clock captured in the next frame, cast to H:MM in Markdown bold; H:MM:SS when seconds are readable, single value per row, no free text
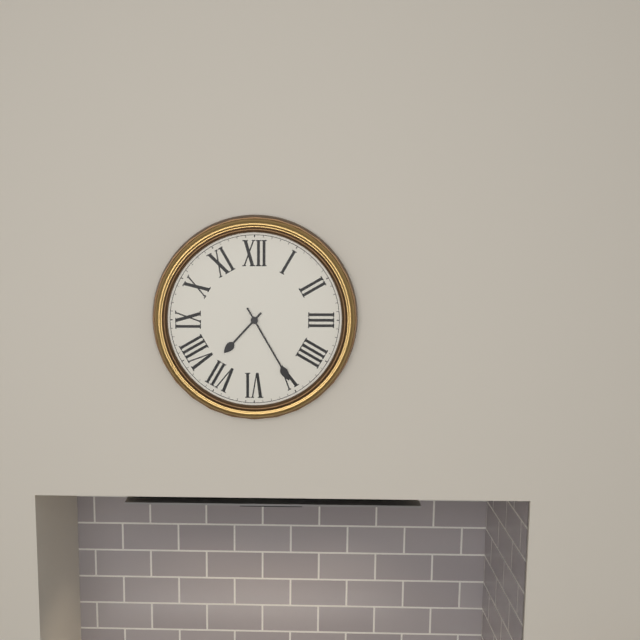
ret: **7:25**
